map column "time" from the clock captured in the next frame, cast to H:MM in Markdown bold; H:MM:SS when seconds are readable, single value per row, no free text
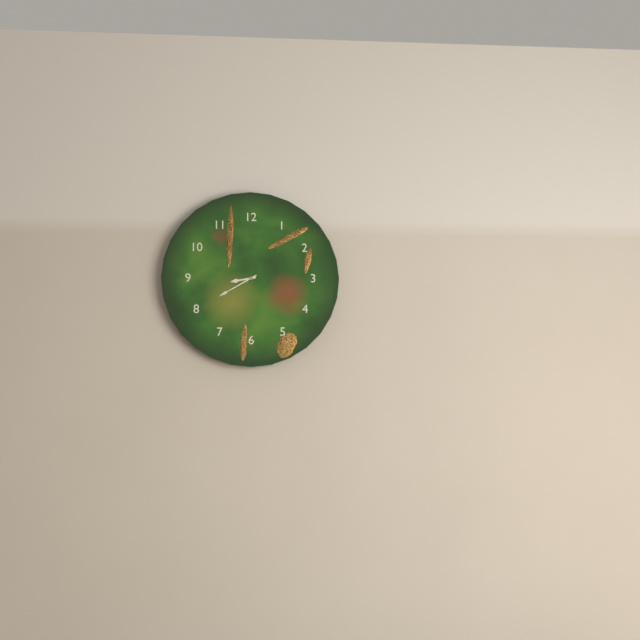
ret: **8:40**
